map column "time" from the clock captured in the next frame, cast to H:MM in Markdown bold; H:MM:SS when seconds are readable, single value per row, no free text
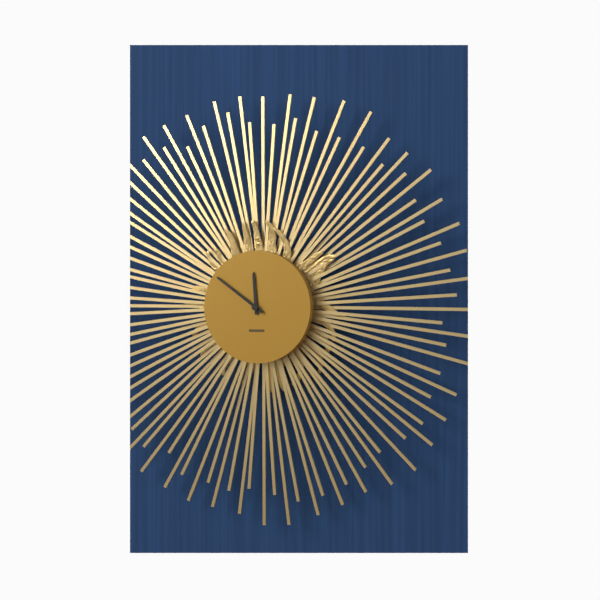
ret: **11:51**
